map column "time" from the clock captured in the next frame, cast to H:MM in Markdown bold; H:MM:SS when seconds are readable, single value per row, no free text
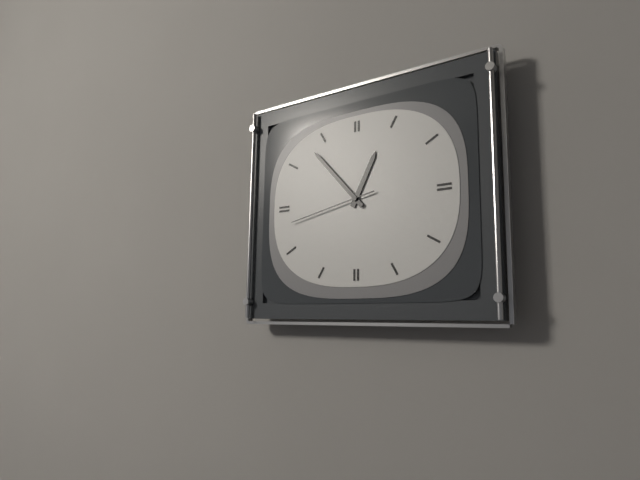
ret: **12:53:43**
